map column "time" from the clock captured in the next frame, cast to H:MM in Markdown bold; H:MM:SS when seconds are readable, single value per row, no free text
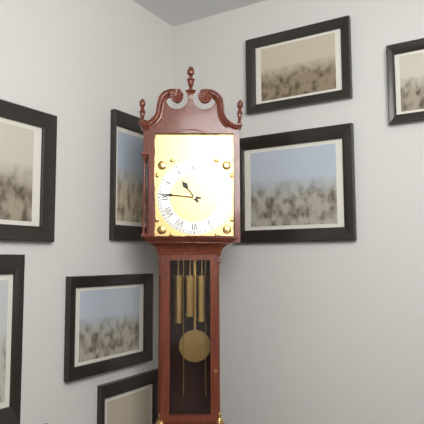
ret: **10:46**
